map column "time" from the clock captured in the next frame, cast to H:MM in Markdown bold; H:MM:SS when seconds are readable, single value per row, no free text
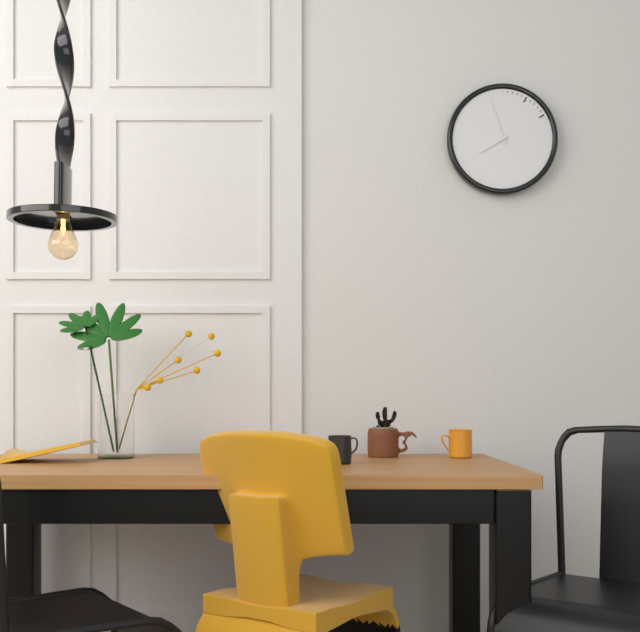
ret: **7:57**
